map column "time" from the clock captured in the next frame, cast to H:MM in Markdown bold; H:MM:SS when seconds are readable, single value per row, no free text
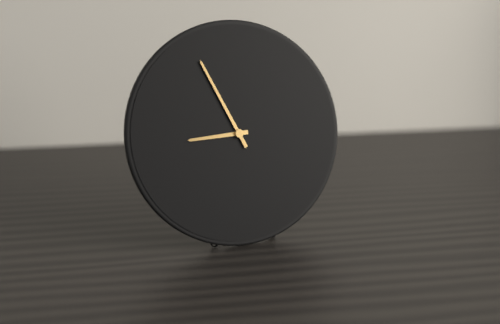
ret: **8:56**
